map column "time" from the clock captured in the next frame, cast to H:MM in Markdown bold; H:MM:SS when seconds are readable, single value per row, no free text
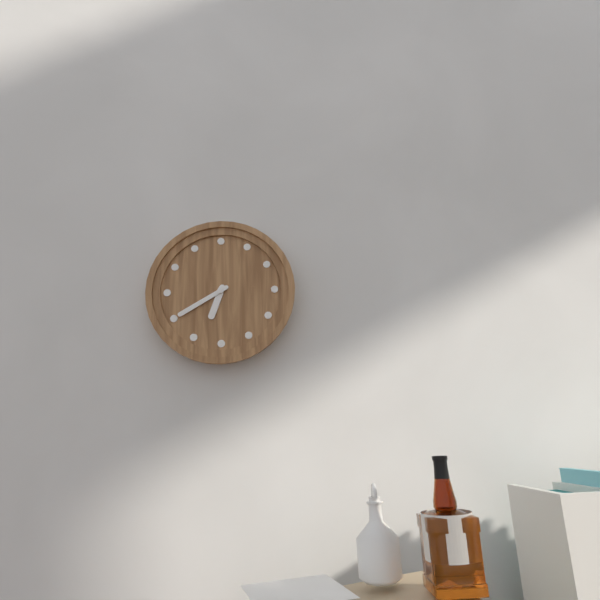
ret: **6:40**
